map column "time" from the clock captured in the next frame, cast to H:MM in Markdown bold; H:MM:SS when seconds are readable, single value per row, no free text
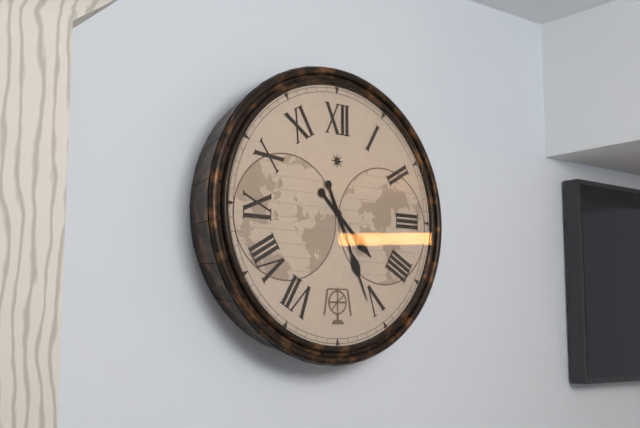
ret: **4:26**
